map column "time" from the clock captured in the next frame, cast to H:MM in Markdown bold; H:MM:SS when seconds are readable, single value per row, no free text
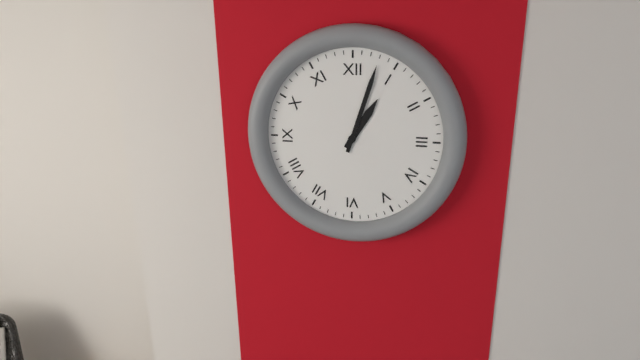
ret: **1:03**
